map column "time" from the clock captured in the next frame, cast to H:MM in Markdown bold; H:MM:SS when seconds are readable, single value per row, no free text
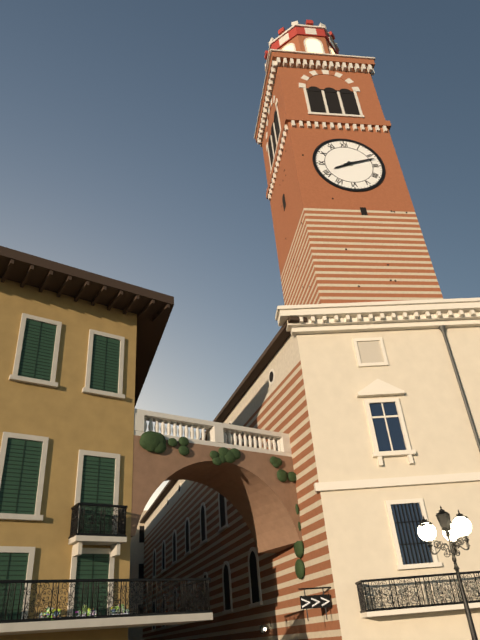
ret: **8:12**
